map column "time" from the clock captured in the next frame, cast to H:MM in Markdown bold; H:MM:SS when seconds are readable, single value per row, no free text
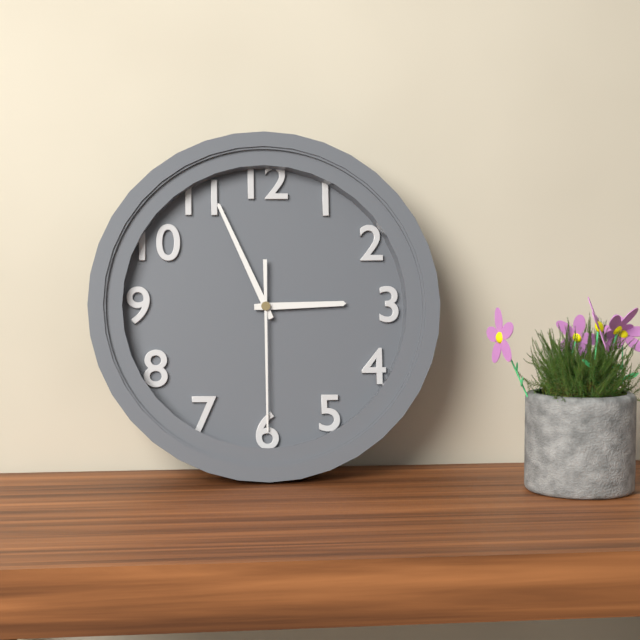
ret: **2:56:30**
